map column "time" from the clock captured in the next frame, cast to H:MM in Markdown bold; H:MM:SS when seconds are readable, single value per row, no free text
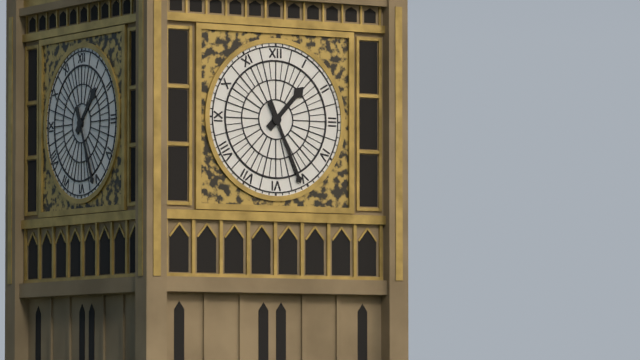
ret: **1:26**
